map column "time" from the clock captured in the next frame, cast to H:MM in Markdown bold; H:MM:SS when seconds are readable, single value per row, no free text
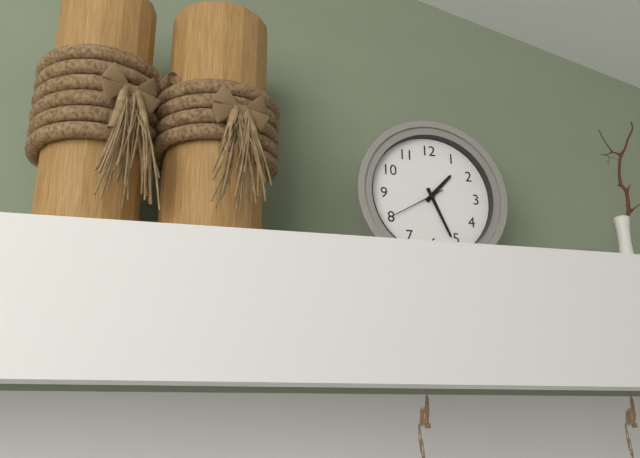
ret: **1:26:40**
